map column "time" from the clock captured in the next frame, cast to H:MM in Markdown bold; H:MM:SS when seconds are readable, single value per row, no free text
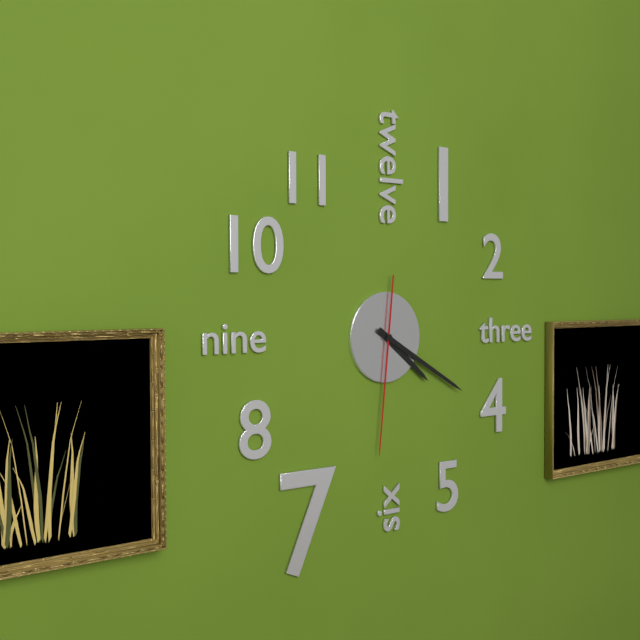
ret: **4:20:31**
